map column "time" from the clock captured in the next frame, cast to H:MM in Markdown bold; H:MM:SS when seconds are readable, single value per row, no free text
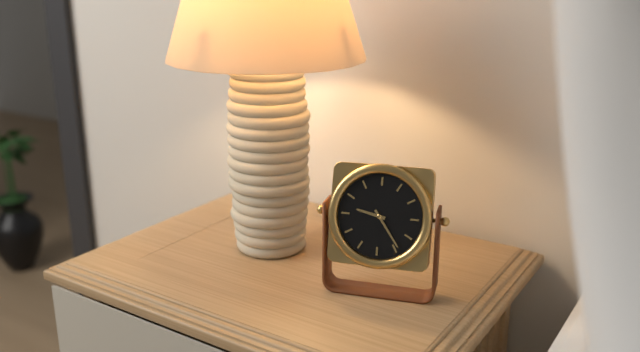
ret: **9:24**
